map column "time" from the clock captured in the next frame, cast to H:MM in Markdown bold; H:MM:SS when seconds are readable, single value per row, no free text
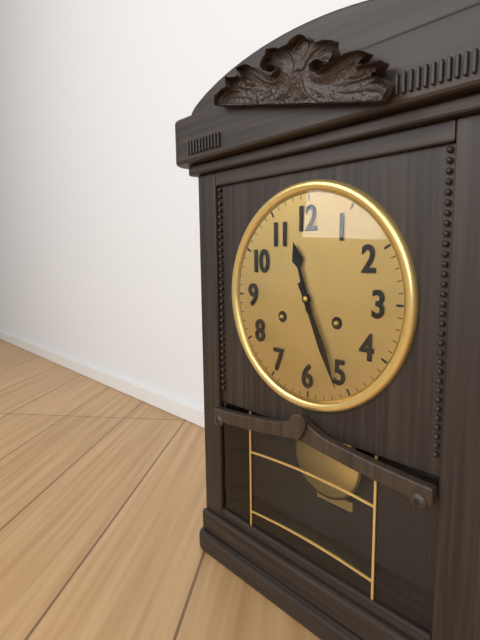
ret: **11:26**
